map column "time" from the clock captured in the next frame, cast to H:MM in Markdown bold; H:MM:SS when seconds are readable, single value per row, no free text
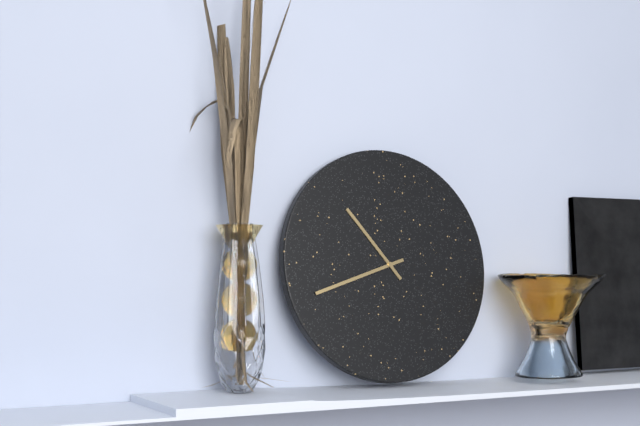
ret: **10:42**
